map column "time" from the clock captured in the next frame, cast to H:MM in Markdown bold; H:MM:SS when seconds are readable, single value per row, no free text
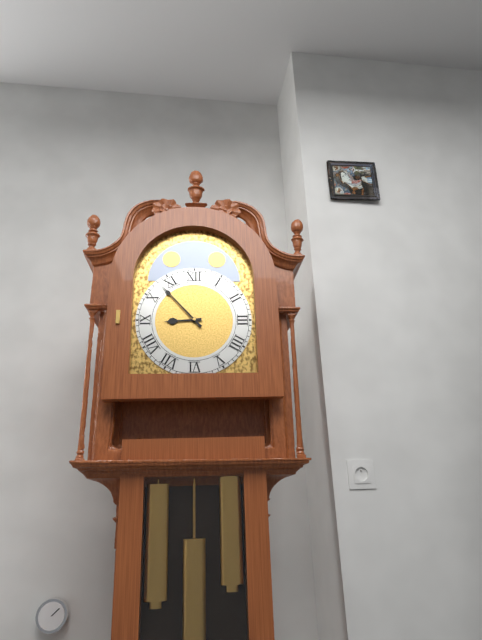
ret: **8:53**
